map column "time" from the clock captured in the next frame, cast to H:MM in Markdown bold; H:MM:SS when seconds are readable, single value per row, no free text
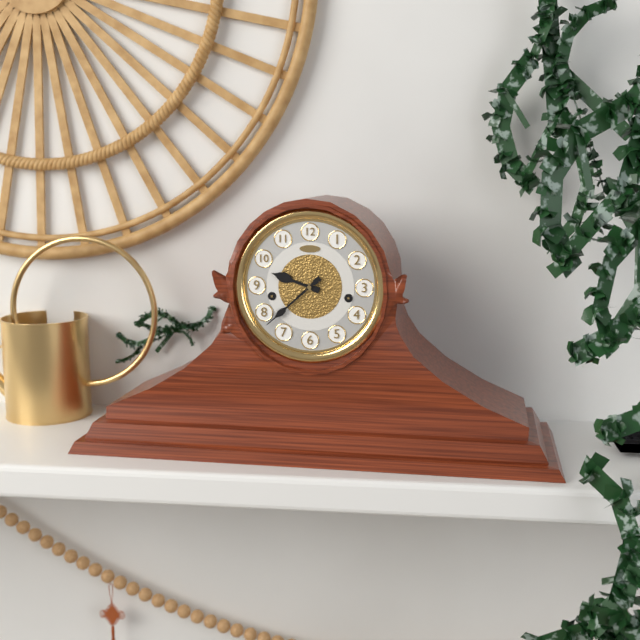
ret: **9:38**
